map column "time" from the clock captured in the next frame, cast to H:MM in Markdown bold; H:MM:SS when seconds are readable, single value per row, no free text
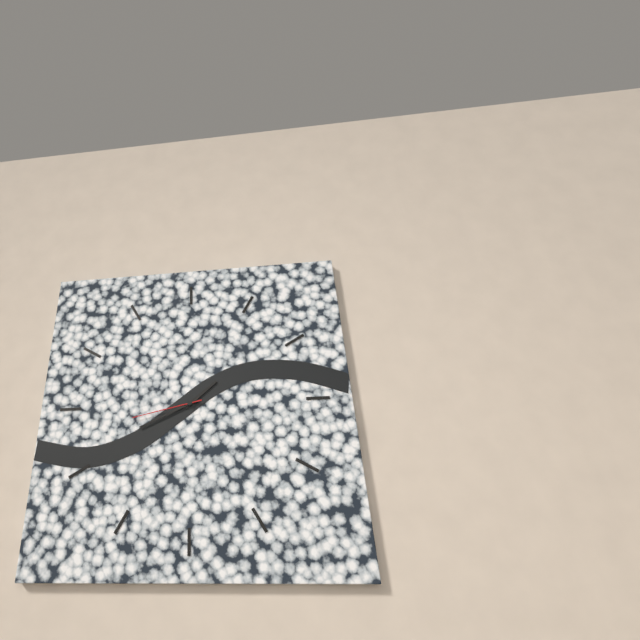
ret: **1:41:43**
